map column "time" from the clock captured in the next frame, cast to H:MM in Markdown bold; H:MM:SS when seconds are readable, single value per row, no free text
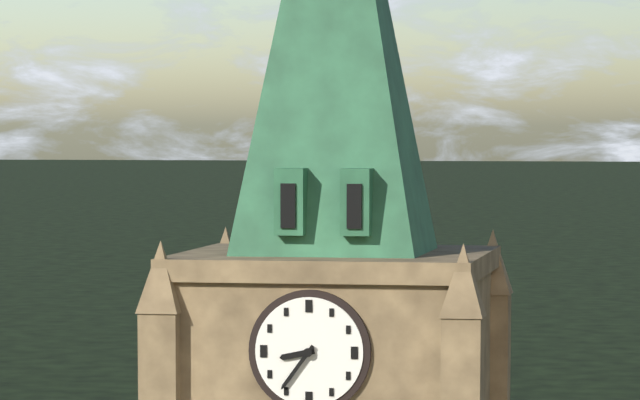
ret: **8:36**
